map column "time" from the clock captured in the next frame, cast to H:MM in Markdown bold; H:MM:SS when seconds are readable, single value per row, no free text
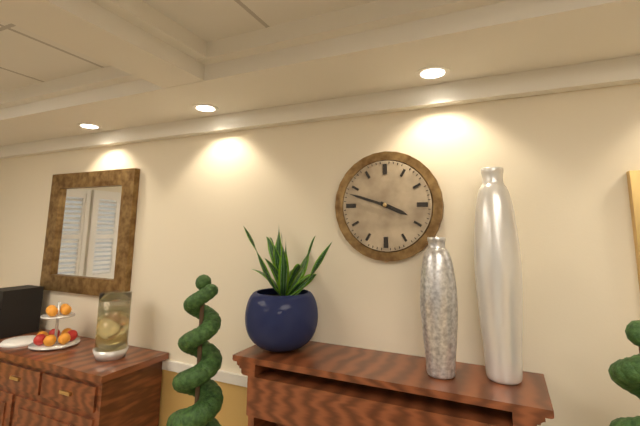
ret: **3:48**
